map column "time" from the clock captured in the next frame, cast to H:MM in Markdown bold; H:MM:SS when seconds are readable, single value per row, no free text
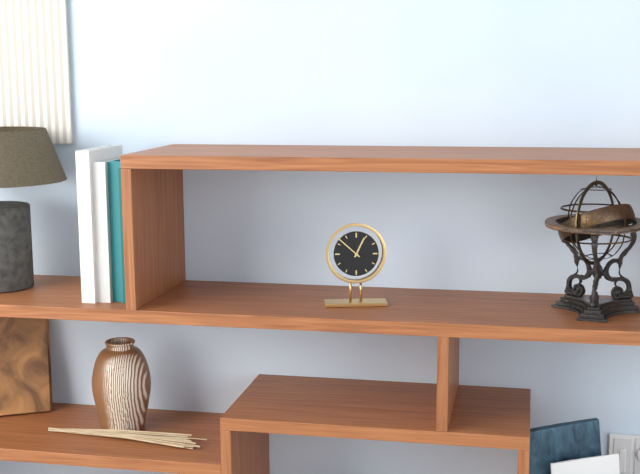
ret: **12:52**
